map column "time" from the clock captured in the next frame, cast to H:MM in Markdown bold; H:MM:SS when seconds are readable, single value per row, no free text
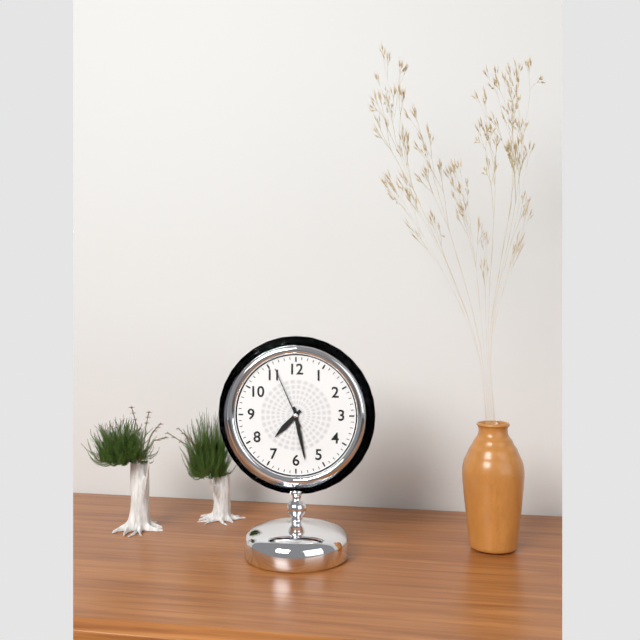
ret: **7:28:56**
